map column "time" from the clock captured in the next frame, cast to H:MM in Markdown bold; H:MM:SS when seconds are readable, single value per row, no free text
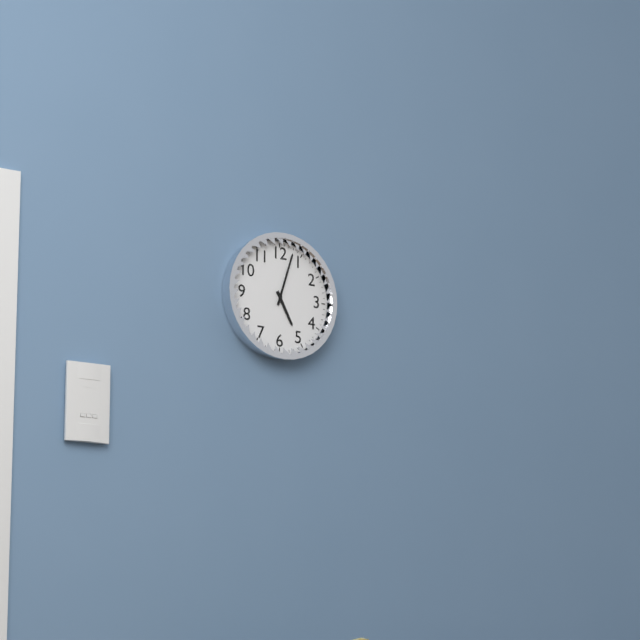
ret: **5:03**
